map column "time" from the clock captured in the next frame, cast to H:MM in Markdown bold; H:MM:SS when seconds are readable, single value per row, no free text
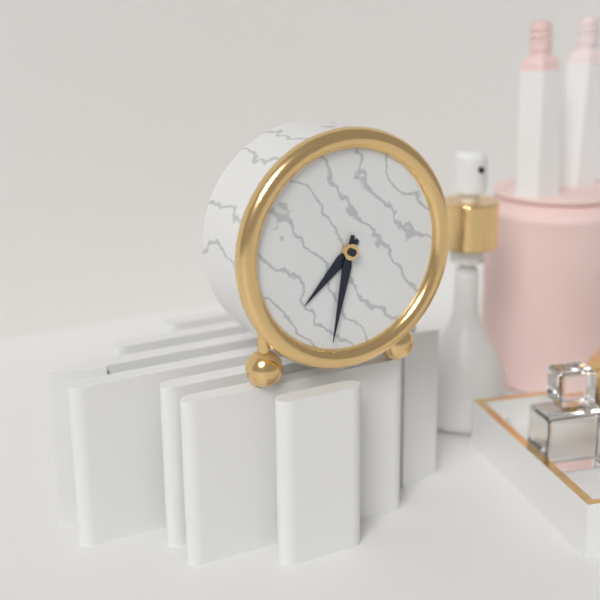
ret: **7:32**
